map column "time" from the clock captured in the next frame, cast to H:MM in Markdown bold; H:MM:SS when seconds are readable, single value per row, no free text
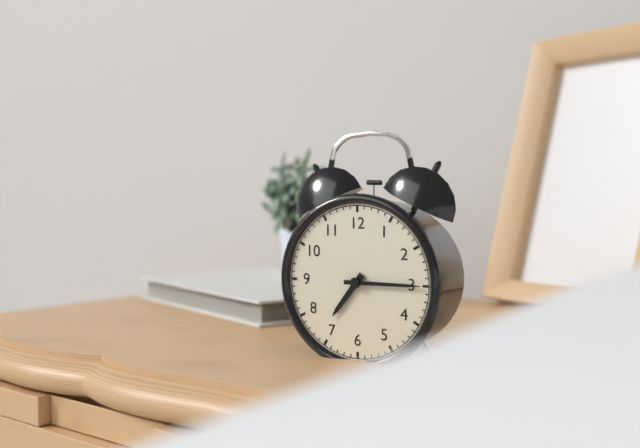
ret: **7:15**
